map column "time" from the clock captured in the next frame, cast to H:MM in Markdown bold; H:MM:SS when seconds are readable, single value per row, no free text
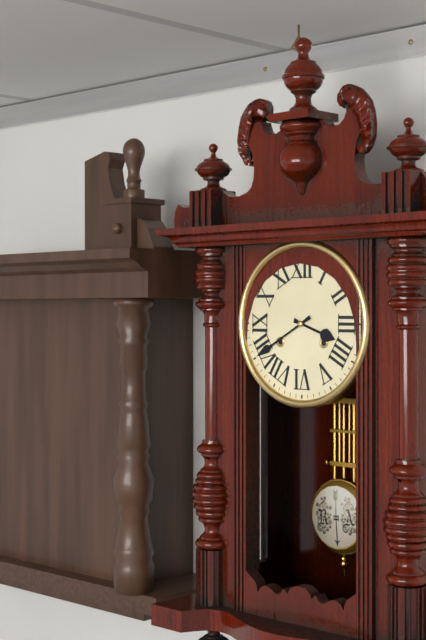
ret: **3:40**
